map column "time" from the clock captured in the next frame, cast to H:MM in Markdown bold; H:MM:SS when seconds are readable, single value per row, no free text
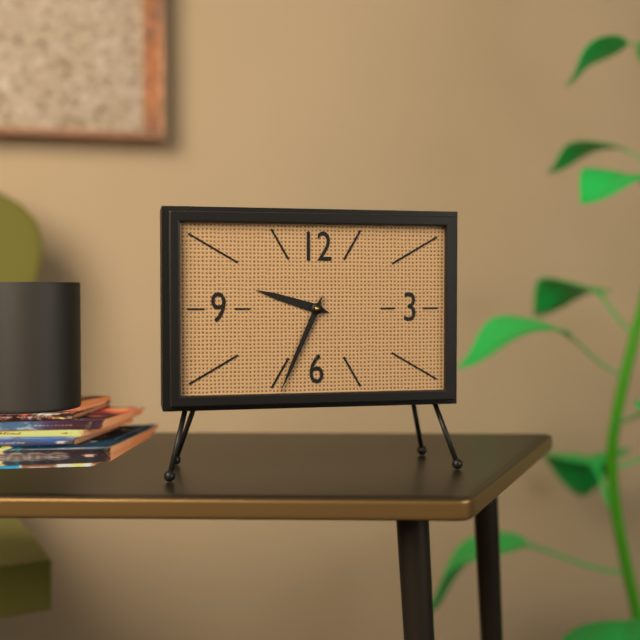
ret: **9:34**
